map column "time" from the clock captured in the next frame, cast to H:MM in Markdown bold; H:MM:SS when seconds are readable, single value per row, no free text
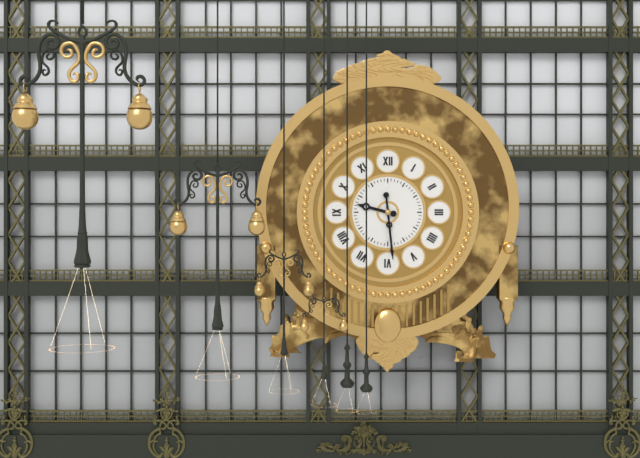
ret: **9:29**
